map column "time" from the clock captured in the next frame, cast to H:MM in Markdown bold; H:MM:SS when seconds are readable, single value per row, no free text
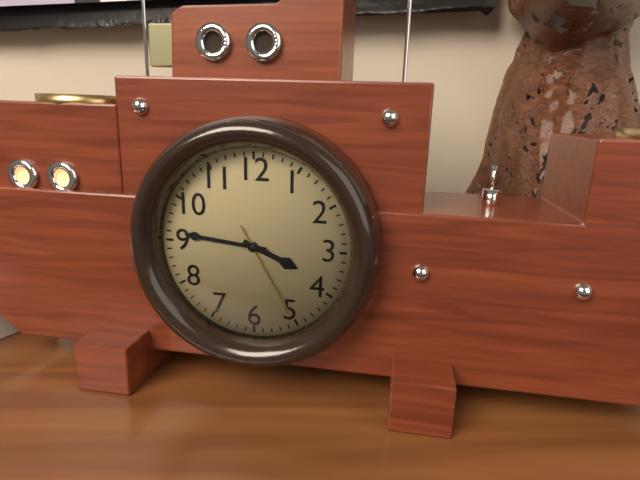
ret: **3:46:25**
